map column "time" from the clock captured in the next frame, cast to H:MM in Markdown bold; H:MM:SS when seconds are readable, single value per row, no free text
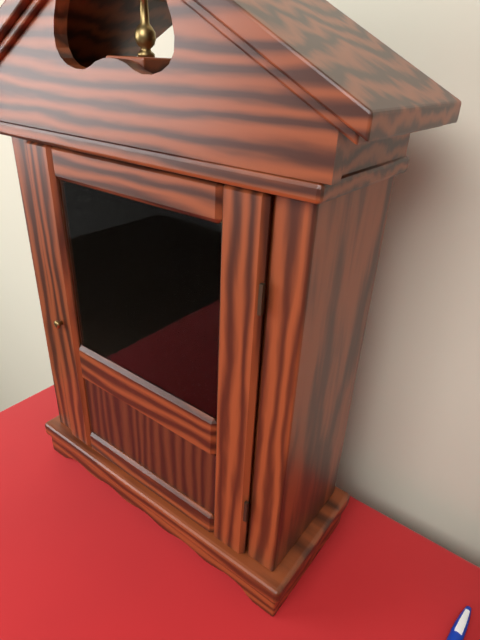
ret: **6:17**
